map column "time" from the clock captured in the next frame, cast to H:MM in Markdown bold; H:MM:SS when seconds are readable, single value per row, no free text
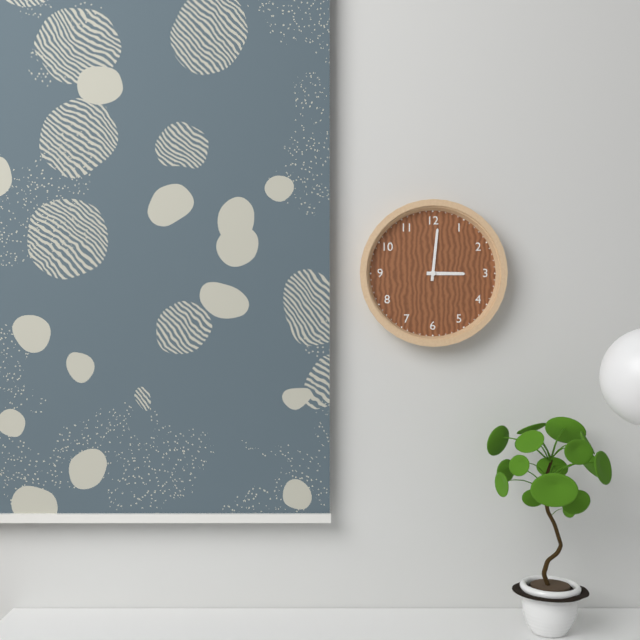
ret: **3:01**
